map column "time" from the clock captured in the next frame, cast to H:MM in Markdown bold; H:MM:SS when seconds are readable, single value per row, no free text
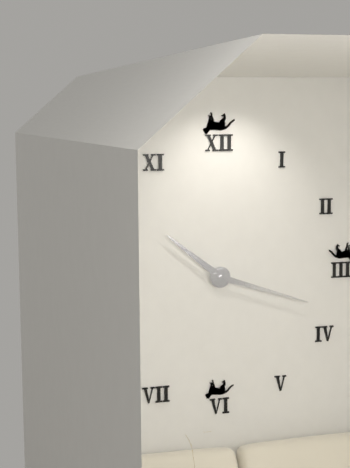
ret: **10:18**
